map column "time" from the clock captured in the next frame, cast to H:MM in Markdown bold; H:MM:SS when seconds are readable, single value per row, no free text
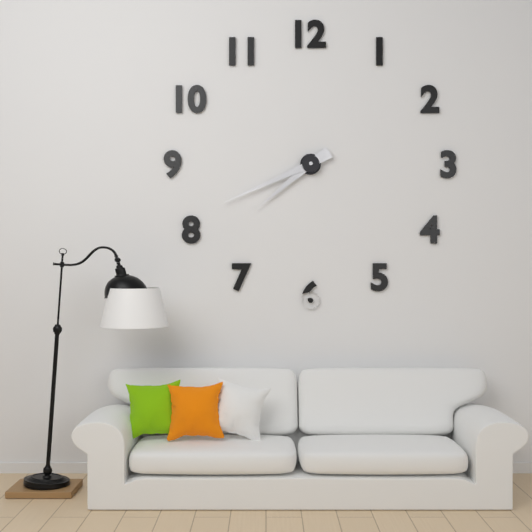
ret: **7:41**
